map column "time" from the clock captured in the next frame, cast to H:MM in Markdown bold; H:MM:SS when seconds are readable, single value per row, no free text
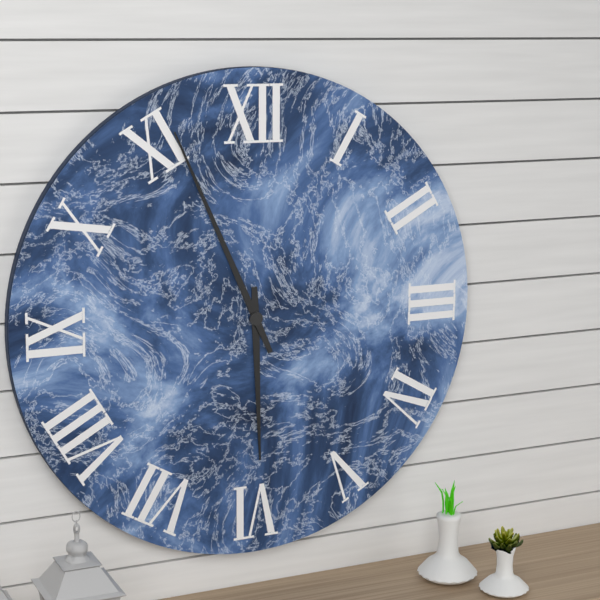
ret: **5:56**
